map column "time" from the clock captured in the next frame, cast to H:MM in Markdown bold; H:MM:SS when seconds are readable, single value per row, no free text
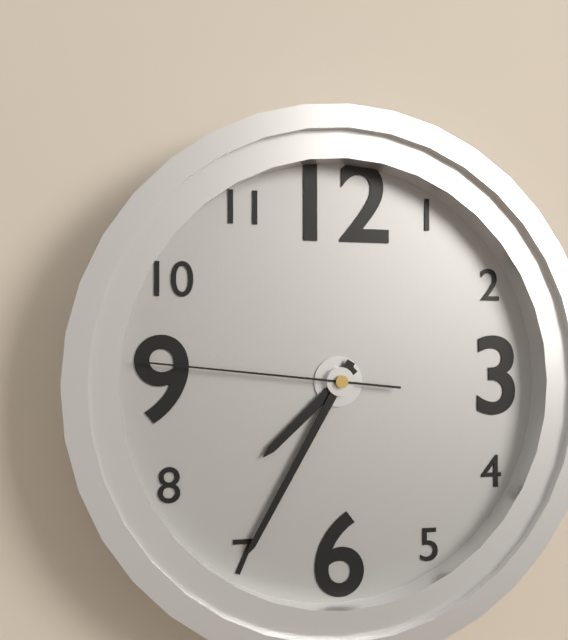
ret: **7:35:46**
